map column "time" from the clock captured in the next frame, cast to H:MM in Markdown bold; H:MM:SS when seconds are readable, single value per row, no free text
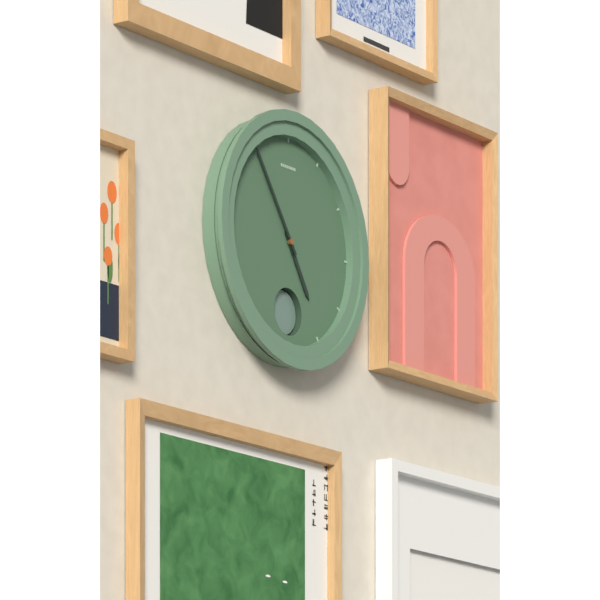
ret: **4:54**
